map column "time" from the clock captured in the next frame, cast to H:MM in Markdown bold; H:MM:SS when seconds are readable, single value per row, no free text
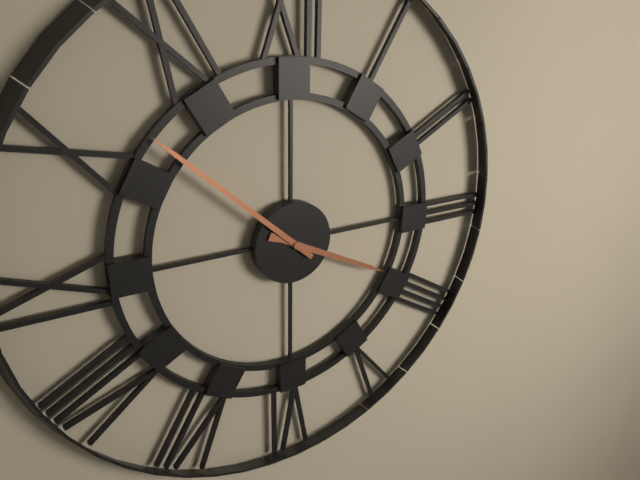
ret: **3:52**
